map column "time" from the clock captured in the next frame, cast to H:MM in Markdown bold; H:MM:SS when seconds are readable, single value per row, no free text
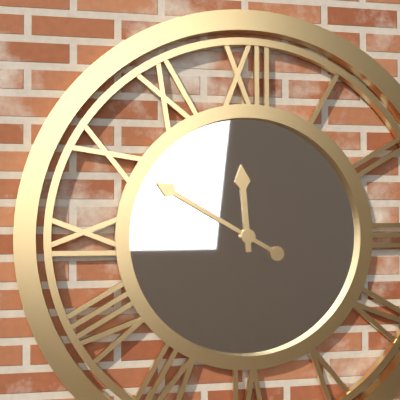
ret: **11:50**
